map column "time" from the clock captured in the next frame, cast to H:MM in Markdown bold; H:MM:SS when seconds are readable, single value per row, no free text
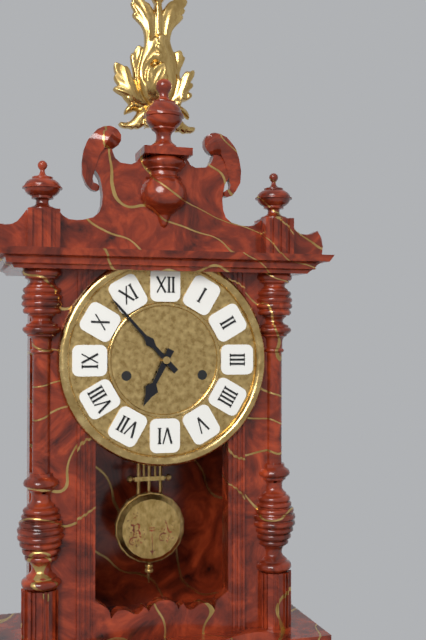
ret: **6:53**
